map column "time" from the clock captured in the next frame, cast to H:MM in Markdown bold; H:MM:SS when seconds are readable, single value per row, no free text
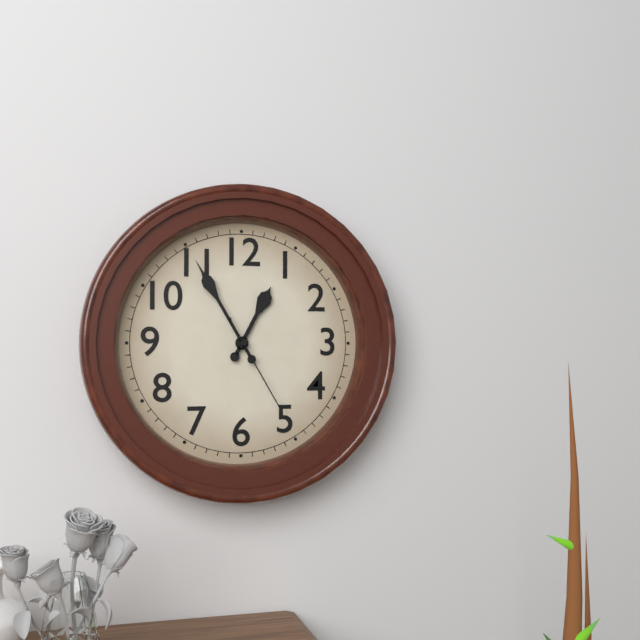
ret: **12:55:25**
